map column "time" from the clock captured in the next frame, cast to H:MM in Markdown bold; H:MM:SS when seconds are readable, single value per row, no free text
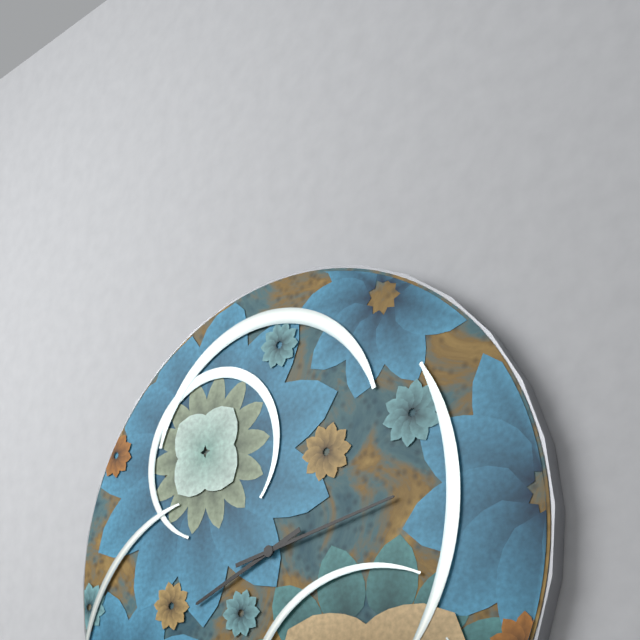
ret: **8:13**
